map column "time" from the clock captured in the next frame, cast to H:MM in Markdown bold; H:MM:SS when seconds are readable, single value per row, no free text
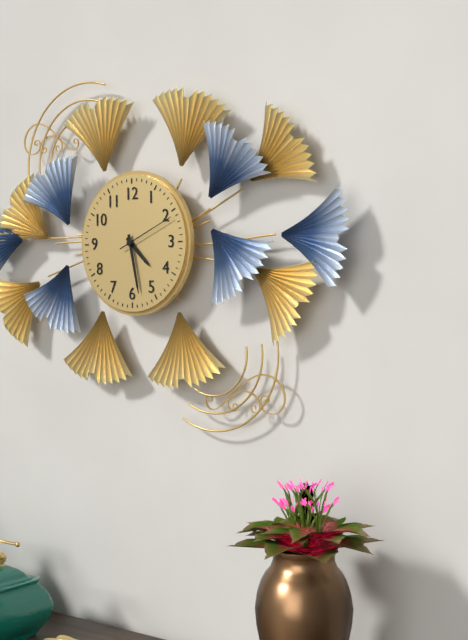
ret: **4:28**
